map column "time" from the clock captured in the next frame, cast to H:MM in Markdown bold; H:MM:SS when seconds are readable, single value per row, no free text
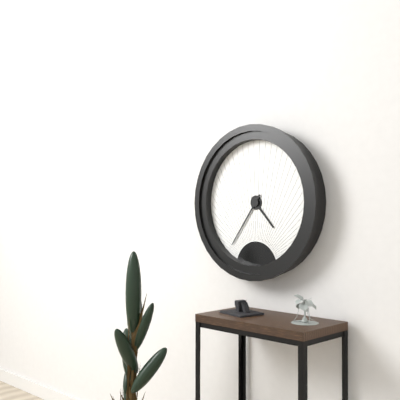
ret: **4:36**
